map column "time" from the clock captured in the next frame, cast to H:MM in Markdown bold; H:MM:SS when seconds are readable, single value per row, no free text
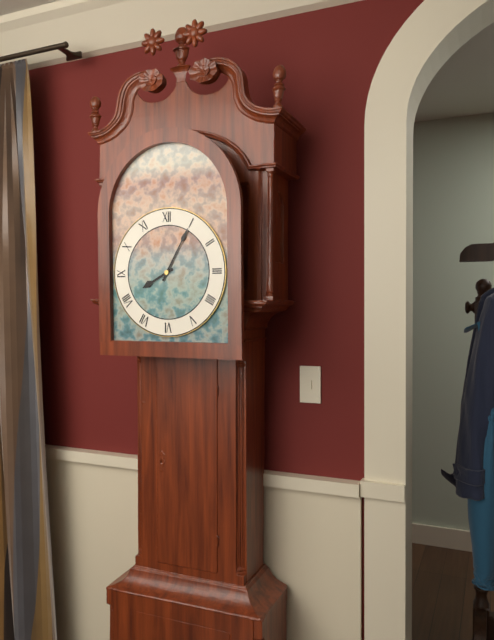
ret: **8:05**
